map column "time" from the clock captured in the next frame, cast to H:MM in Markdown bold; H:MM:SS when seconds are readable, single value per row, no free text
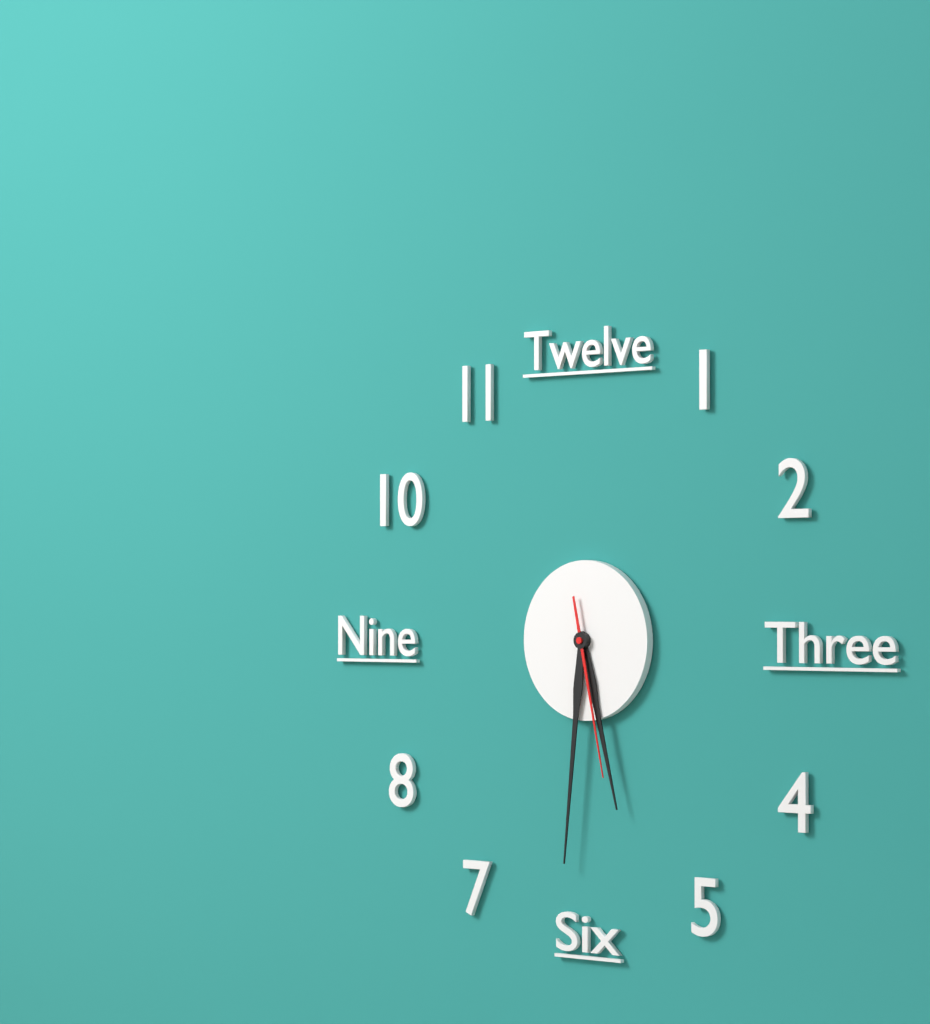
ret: **5:31:28**
